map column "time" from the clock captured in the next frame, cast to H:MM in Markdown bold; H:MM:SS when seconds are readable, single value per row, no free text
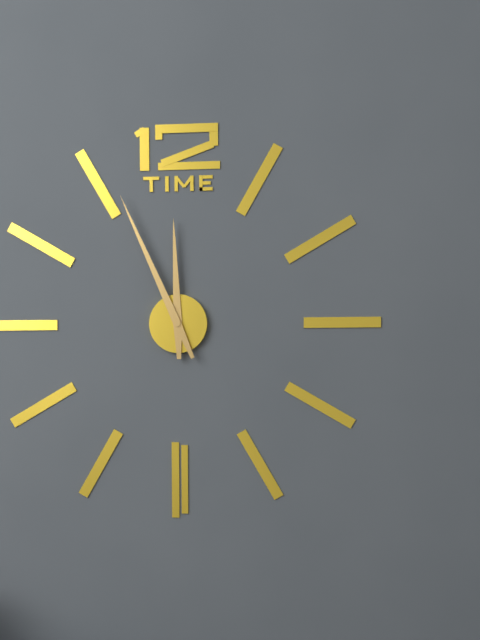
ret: **11:56**
